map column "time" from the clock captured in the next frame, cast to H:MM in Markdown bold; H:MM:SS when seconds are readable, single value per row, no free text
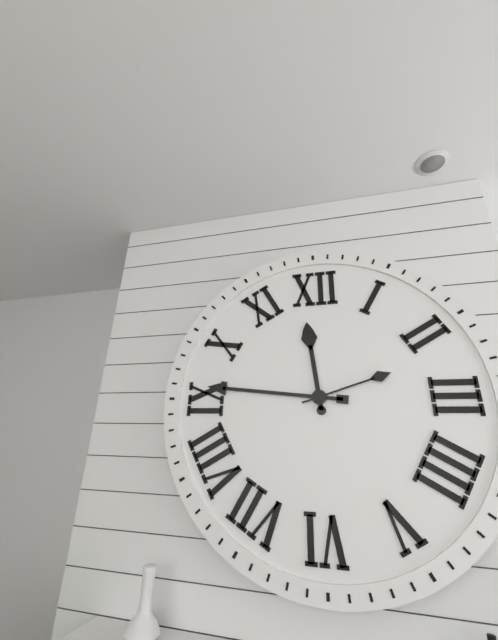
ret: **11:46:12**
